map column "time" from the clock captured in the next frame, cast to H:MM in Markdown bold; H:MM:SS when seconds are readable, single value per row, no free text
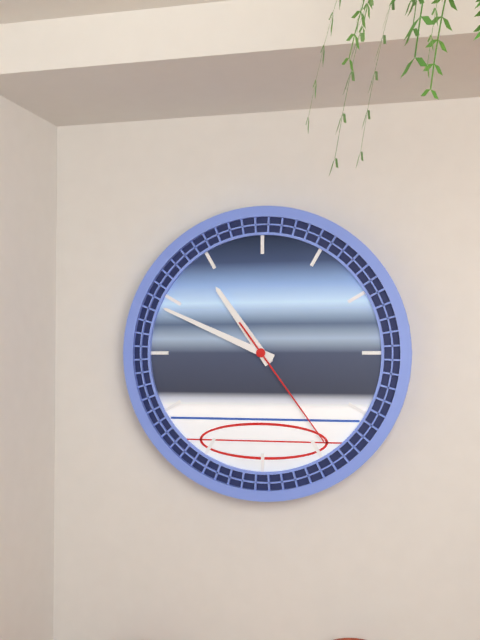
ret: **10:49:24**
